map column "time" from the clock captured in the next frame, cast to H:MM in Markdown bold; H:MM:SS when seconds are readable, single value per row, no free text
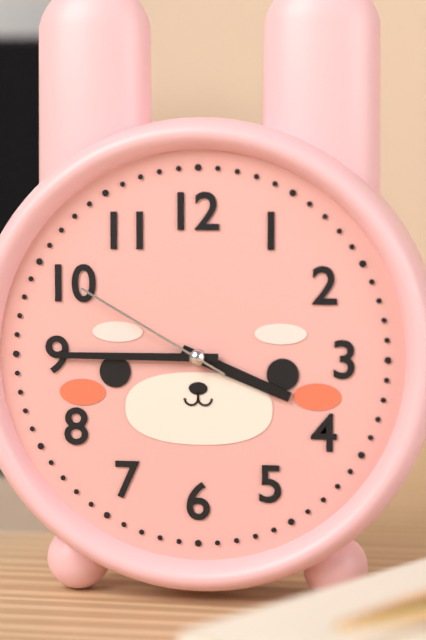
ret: **3:45:50**
